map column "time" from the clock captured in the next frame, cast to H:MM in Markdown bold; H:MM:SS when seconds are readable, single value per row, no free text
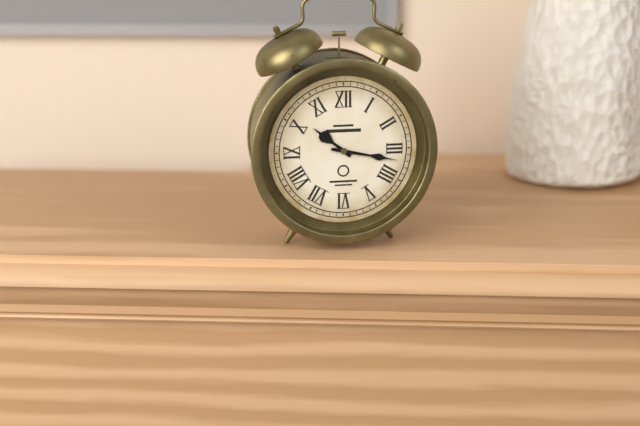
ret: **10:17**
